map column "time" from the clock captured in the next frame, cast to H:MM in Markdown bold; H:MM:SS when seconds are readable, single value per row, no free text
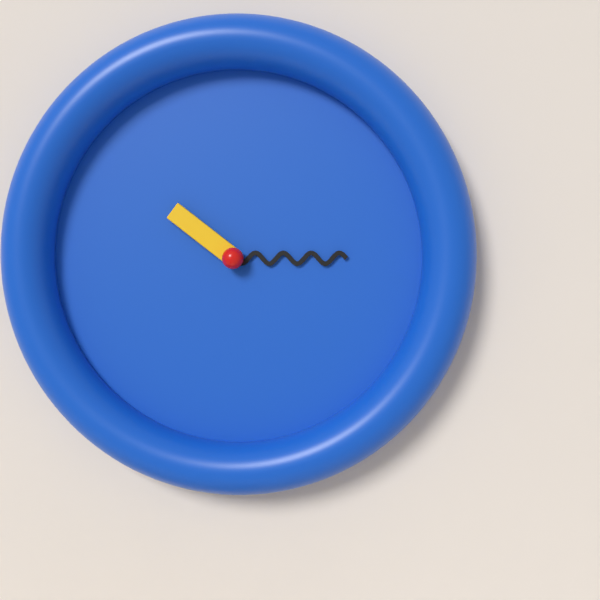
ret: **10:15**
